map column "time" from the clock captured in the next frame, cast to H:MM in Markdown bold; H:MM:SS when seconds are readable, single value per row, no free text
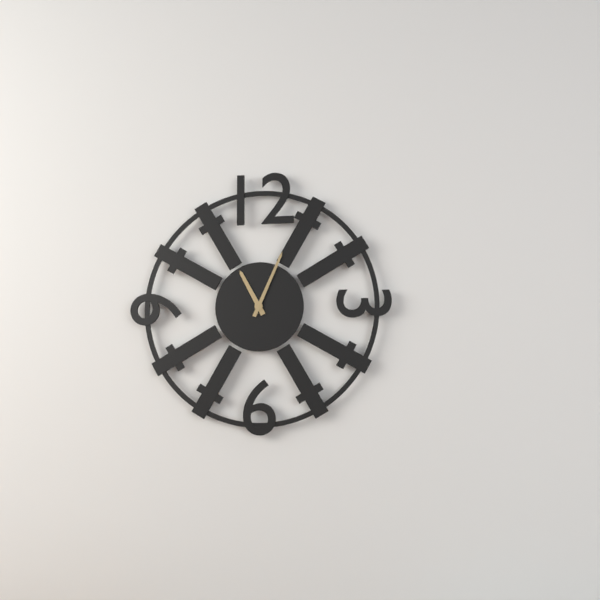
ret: **11:04**
